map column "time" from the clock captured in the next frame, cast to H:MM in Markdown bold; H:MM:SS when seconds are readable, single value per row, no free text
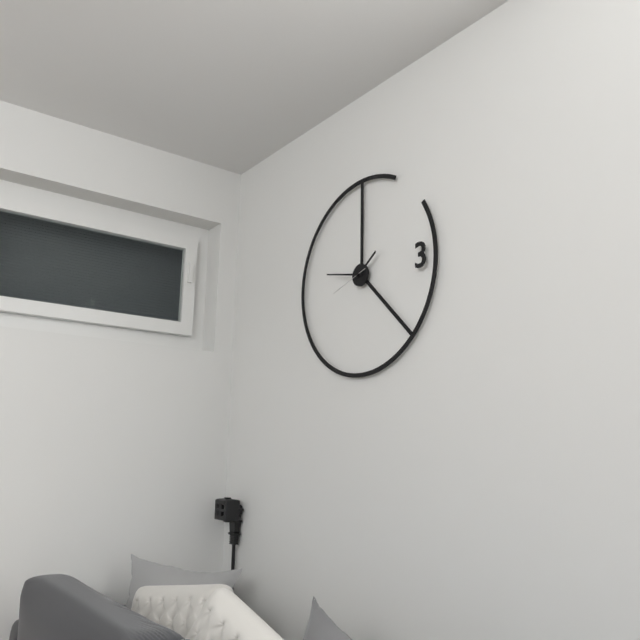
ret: **1:47**
